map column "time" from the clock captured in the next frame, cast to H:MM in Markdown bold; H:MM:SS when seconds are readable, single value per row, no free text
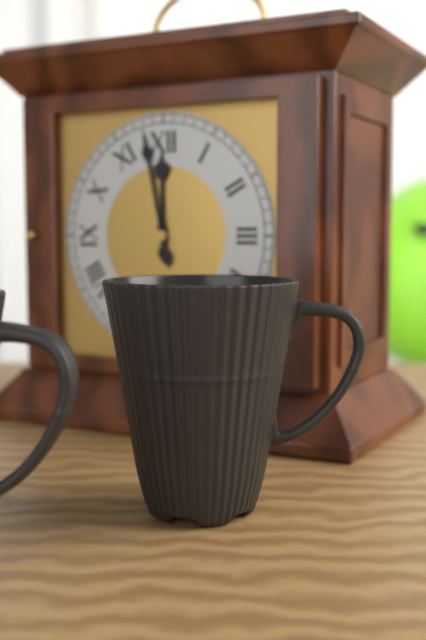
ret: **11:58**
